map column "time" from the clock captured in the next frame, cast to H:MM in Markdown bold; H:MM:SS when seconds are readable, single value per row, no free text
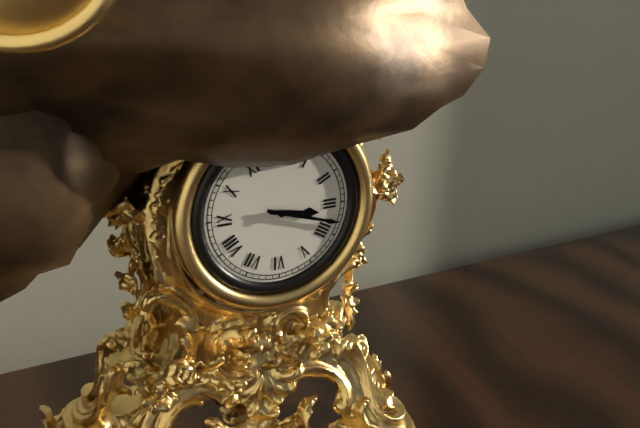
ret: **3:18**
